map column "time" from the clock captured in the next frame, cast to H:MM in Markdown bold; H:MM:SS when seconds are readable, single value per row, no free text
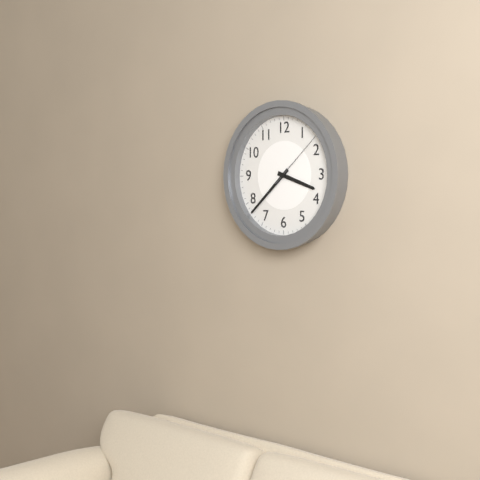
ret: **3:38:08**
